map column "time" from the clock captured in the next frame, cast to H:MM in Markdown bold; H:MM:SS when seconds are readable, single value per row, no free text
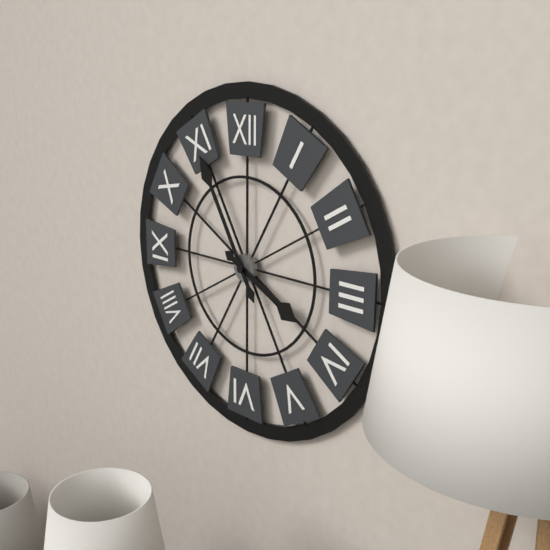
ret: **3:55**
